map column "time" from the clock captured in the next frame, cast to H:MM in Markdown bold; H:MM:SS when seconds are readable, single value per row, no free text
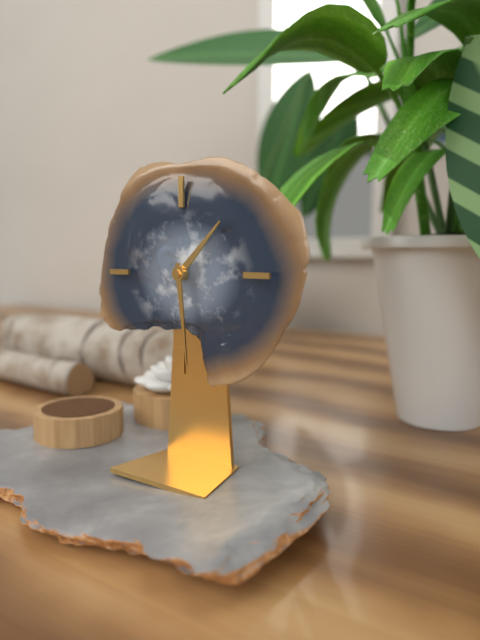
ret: **1:29**
